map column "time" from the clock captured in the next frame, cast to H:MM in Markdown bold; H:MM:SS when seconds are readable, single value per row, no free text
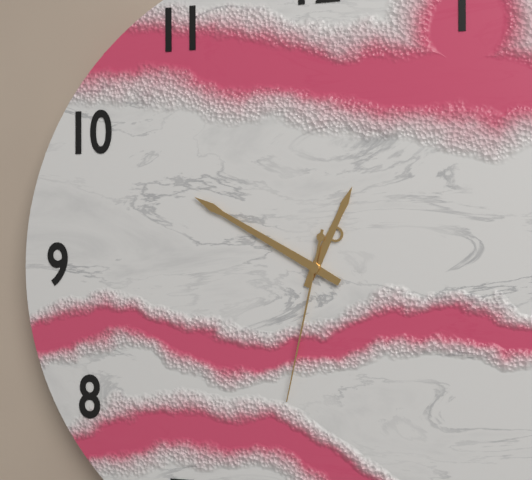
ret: **12:50:32**
